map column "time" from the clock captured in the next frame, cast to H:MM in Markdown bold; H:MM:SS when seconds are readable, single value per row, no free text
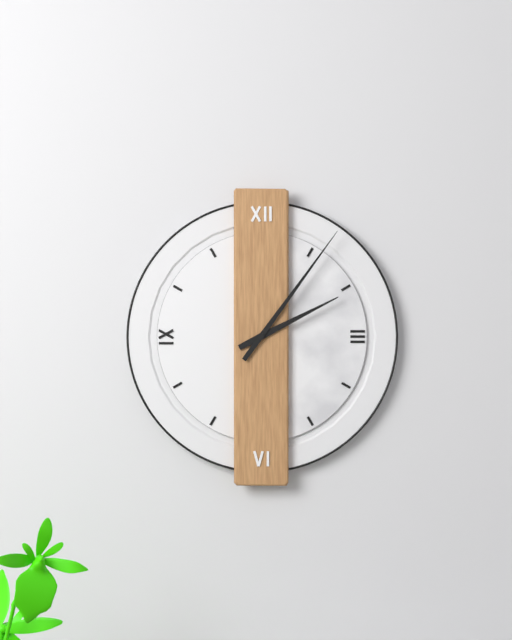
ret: **2:06**
